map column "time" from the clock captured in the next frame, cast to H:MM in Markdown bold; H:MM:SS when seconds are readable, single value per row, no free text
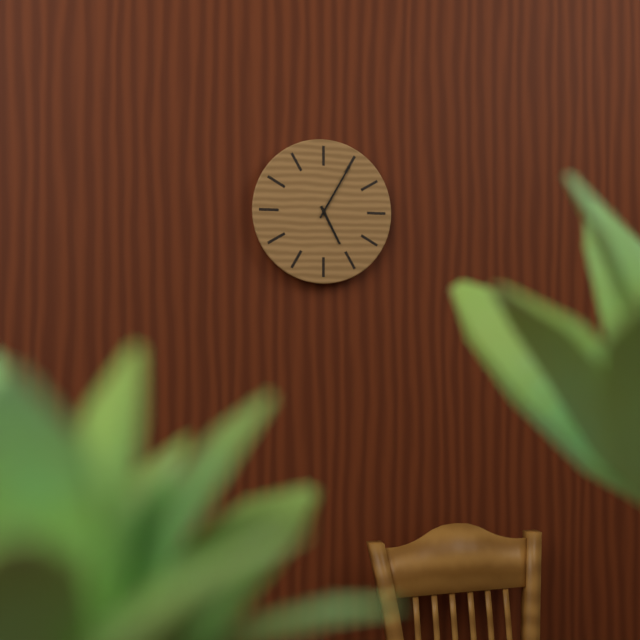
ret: **5:05**
